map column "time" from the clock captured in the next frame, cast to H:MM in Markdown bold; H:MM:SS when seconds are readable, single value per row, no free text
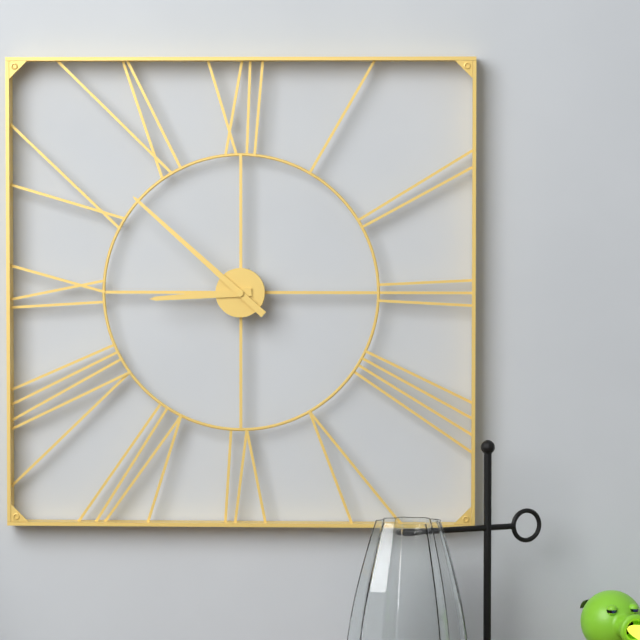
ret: **8:52**
